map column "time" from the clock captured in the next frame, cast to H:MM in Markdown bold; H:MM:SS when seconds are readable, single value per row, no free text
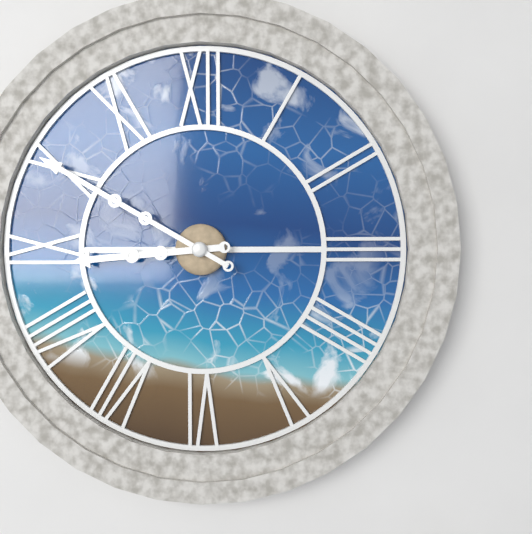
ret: **8:50**
